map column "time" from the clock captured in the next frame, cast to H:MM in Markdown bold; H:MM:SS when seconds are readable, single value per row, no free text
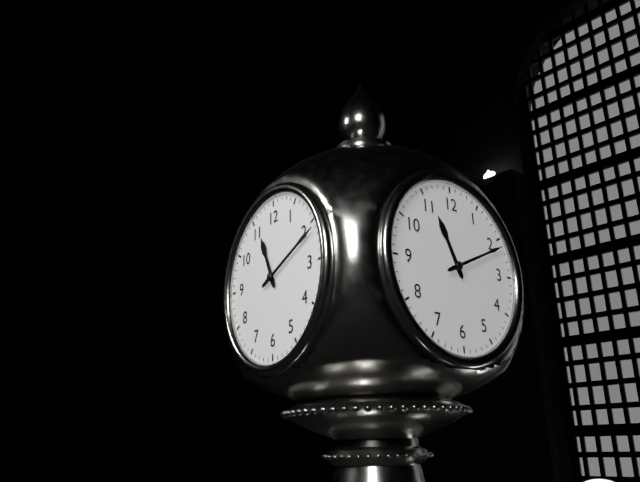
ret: **11:11**
